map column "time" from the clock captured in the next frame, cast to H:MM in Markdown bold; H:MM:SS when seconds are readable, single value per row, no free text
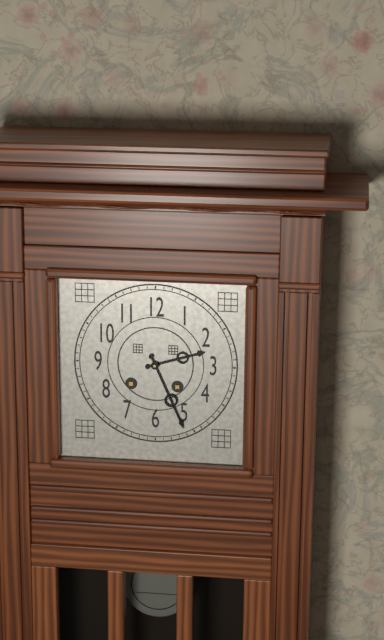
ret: **2:26**
